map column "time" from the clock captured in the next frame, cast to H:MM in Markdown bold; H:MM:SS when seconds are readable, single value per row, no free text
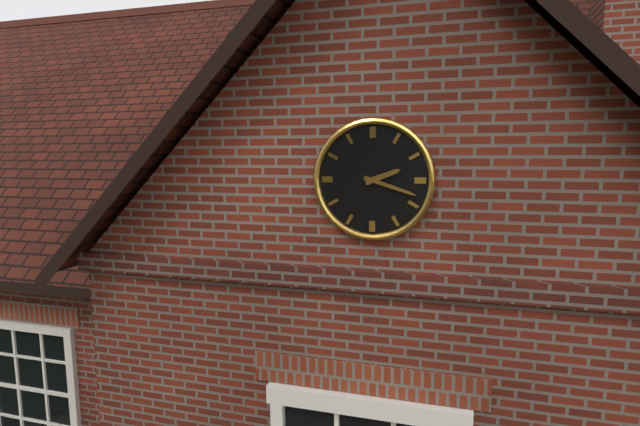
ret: **2:18**
